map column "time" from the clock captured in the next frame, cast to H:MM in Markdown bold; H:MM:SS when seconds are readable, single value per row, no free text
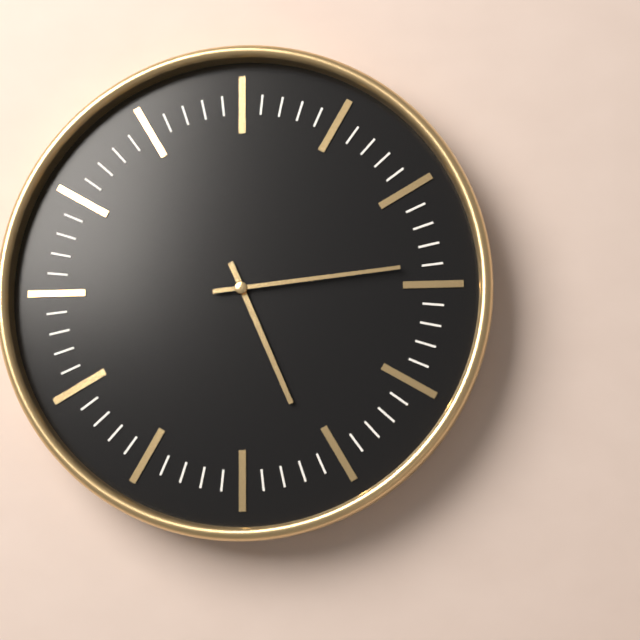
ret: **5:14**
